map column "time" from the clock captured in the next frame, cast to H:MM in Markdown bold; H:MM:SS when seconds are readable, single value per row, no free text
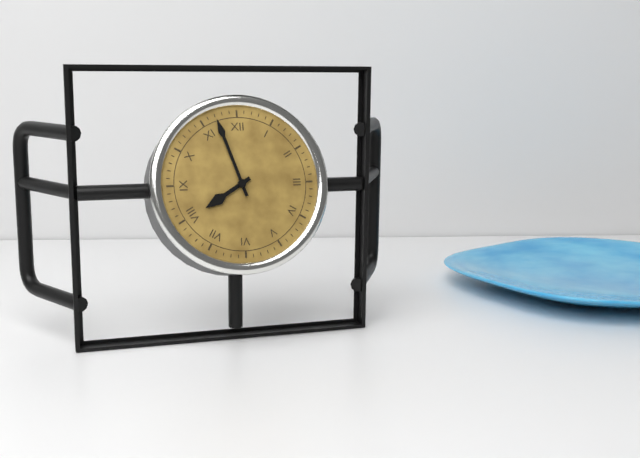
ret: **7:57**
